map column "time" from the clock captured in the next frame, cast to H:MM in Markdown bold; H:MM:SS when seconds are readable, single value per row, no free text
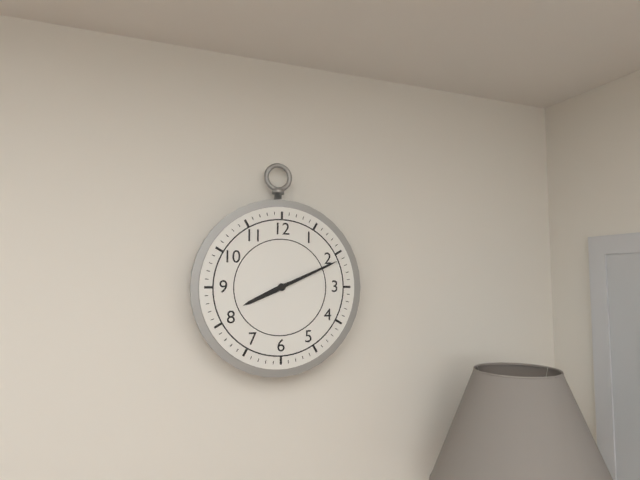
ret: **8:11**
